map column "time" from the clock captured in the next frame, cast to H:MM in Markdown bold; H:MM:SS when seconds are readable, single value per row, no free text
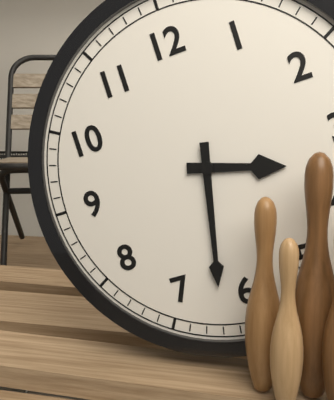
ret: **3:32**
